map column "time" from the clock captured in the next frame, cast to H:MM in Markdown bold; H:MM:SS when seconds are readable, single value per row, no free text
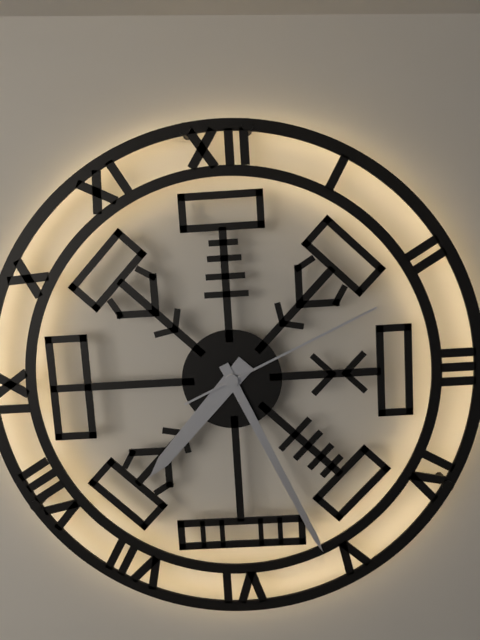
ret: **7:26:11**
